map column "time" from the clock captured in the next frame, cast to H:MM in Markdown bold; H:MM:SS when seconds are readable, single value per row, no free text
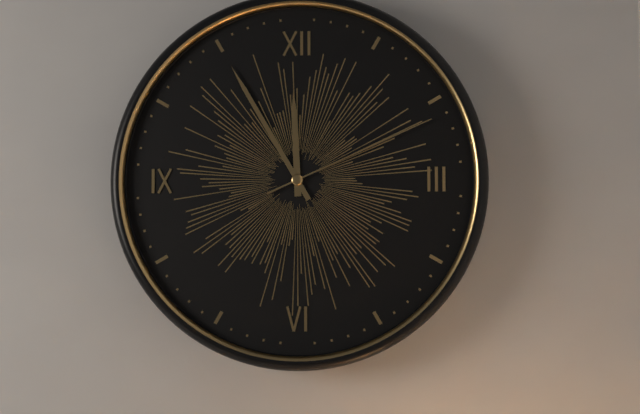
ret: **11:55:11**
